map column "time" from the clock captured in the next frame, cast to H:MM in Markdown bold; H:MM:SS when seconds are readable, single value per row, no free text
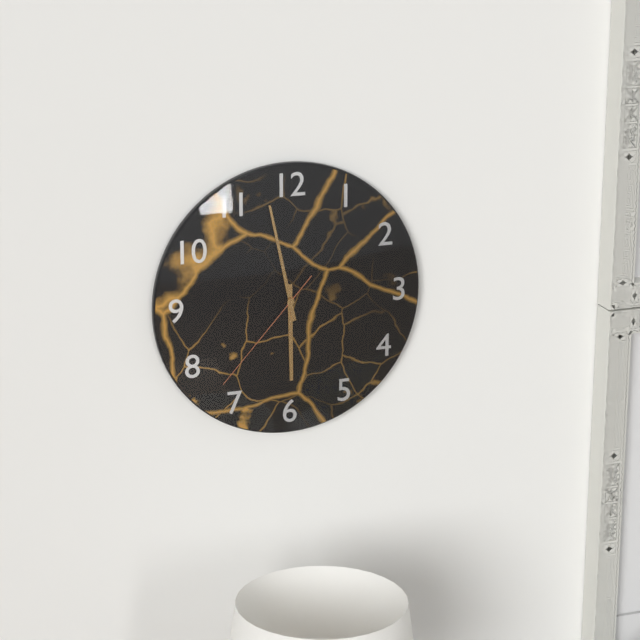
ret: **5:58:37**
